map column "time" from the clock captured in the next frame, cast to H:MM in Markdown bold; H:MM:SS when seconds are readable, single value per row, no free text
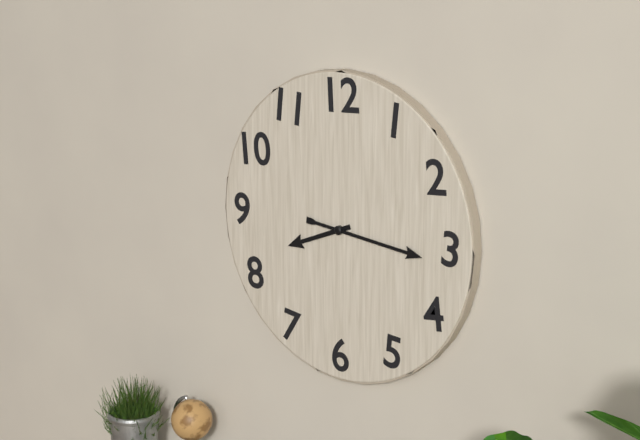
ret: **8:16**
